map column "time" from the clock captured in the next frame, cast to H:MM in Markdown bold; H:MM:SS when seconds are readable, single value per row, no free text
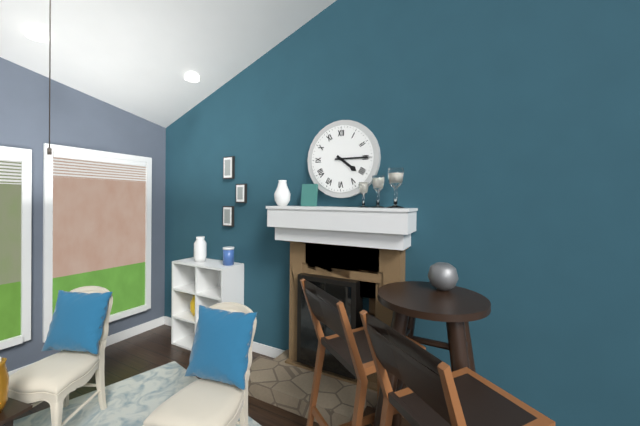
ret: **4:15**
